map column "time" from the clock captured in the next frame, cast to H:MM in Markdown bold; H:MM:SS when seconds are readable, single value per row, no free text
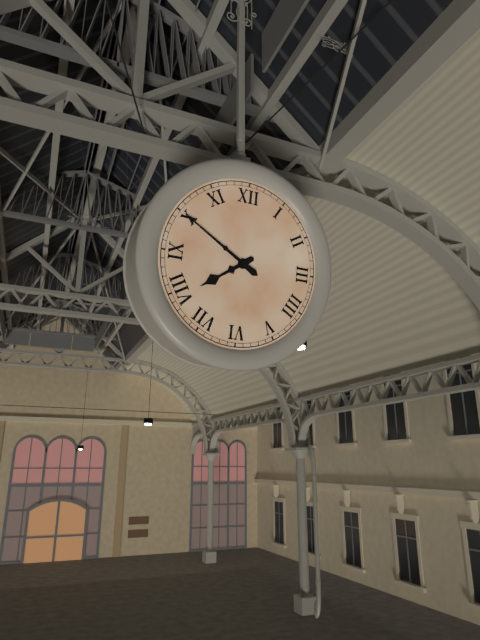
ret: **7:50**
